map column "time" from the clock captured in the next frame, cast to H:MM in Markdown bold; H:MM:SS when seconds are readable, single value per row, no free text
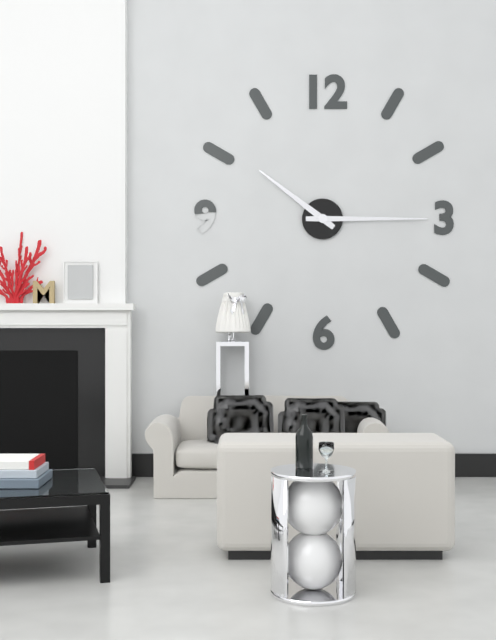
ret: **10:15**
